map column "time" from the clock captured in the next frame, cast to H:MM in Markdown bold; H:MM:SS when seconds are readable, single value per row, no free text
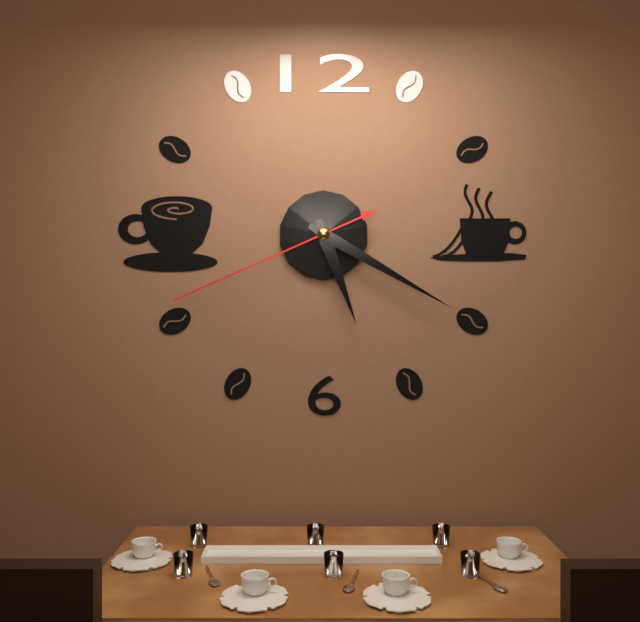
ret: **5:20:41**
